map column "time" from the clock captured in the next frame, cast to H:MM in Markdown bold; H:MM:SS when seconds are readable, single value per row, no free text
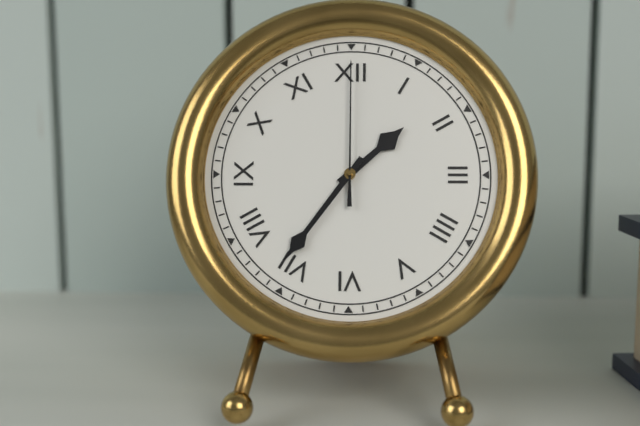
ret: **1:36:00**
